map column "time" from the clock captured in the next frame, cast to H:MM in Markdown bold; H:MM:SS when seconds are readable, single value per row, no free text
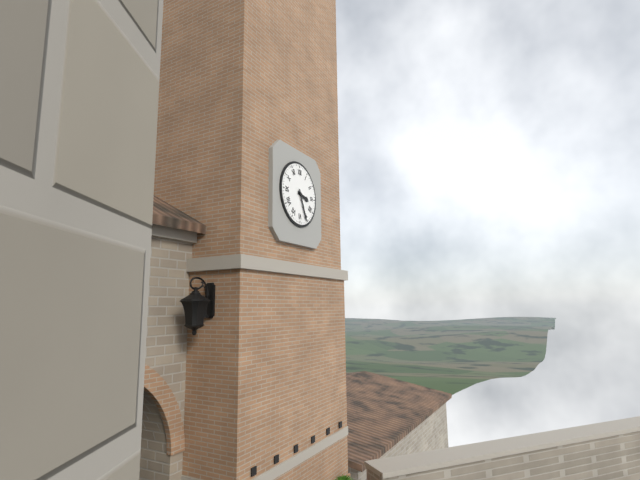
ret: **3:26**
